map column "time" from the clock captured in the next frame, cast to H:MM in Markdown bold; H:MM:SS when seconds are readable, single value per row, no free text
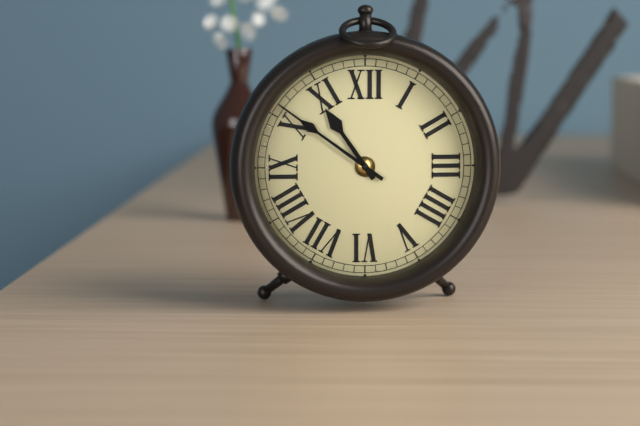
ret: **10:51**
